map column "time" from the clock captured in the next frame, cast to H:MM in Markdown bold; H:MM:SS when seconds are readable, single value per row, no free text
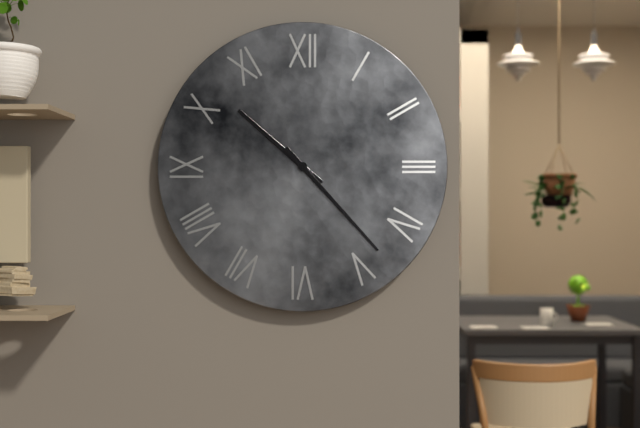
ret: **10:23**
